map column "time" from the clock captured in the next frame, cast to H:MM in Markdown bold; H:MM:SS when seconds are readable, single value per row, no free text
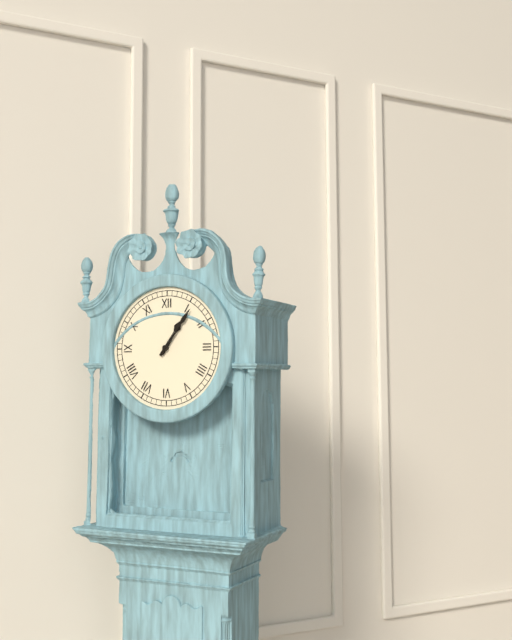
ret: **1:06**
